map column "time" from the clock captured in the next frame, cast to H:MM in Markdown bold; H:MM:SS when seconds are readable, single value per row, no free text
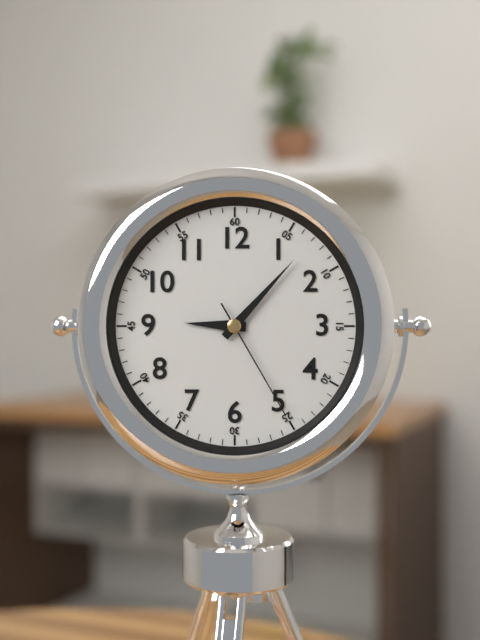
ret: **9:07:25**
